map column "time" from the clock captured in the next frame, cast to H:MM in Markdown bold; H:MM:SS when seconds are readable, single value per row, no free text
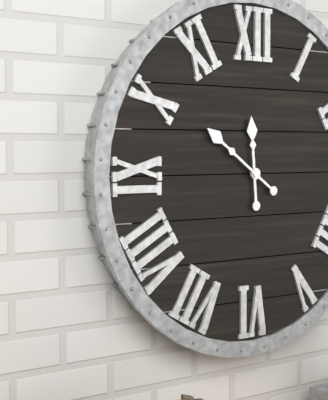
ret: **11:51**
